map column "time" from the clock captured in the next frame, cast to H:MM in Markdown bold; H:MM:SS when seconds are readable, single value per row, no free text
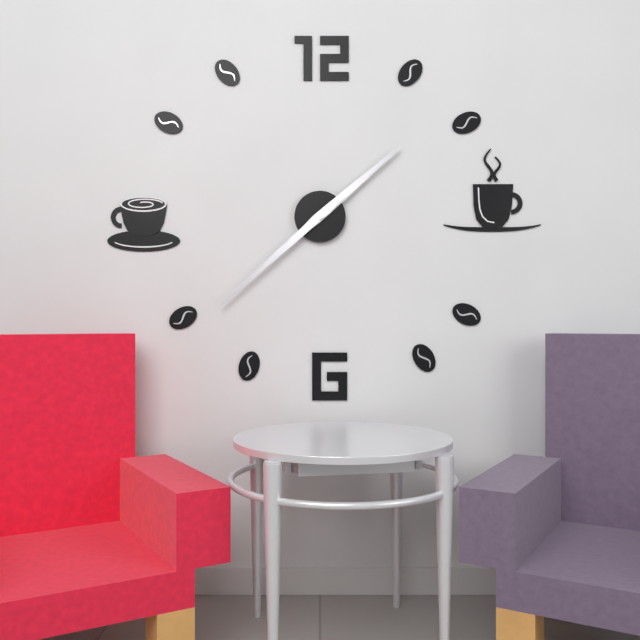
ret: **1:38**
